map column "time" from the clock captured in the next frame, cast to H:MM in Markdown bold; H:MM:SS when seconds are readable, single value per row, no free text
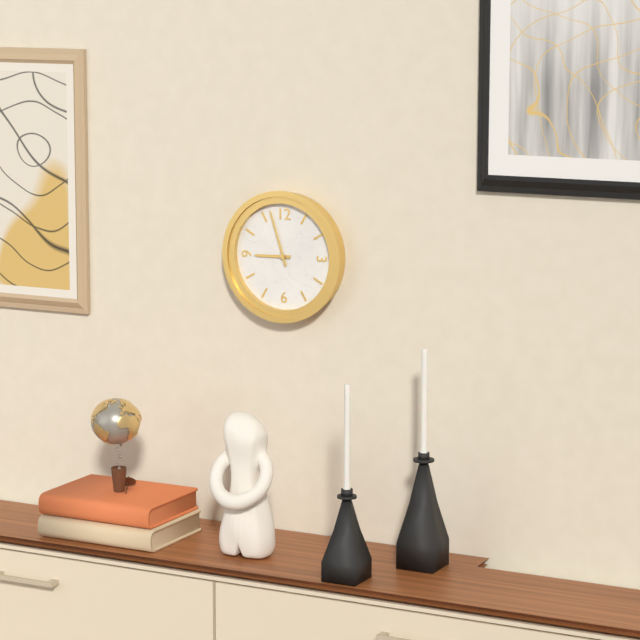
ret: **8:57**
